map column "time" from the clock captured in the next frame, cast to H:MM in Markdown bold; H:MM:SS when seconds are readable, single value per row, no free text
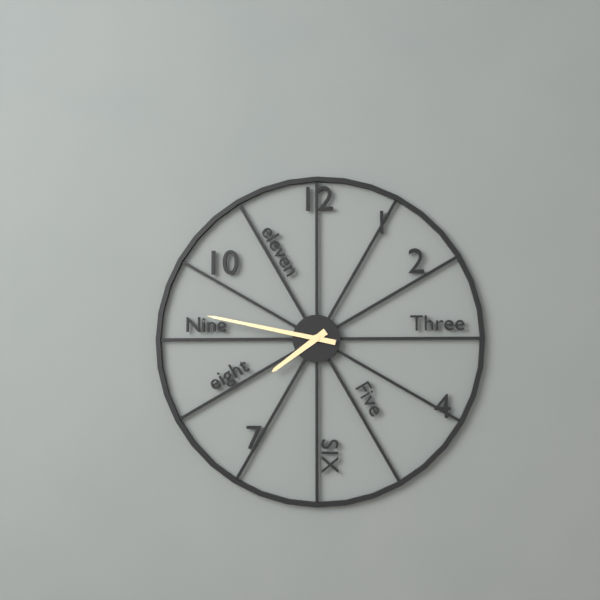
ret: **7:47**
